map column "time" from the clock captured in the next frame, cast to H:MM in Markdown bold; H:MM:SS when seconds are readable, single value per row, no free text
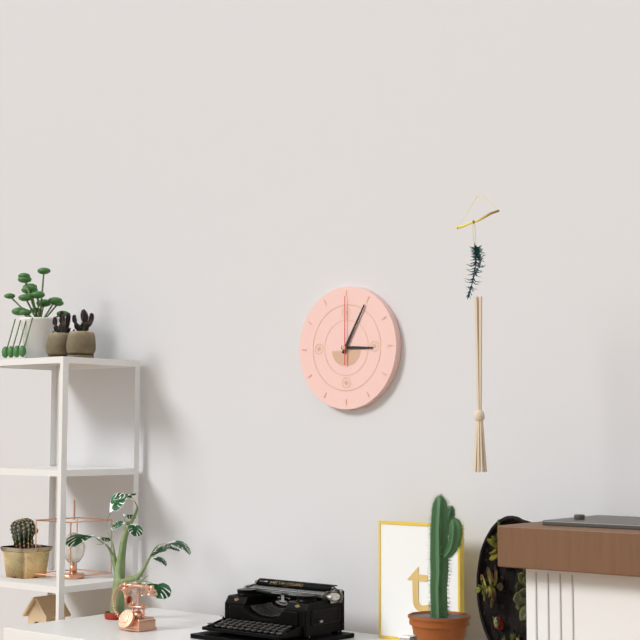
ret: **3:05:00**
